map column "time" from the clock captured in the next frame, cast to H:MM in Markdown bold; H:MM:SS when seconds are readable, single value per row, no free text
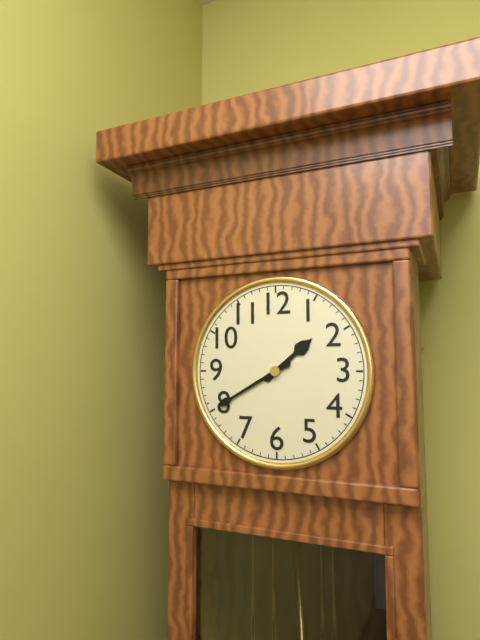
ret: **1:40**
